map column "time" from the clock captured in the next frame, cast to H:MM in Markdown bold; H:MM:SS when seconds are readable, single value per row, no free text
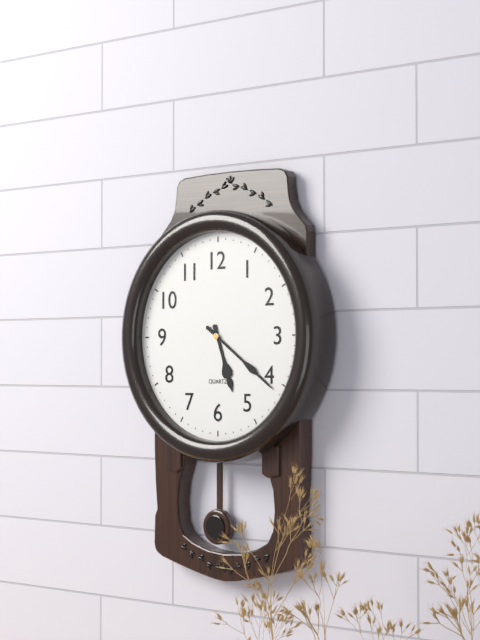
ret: **5:21**
